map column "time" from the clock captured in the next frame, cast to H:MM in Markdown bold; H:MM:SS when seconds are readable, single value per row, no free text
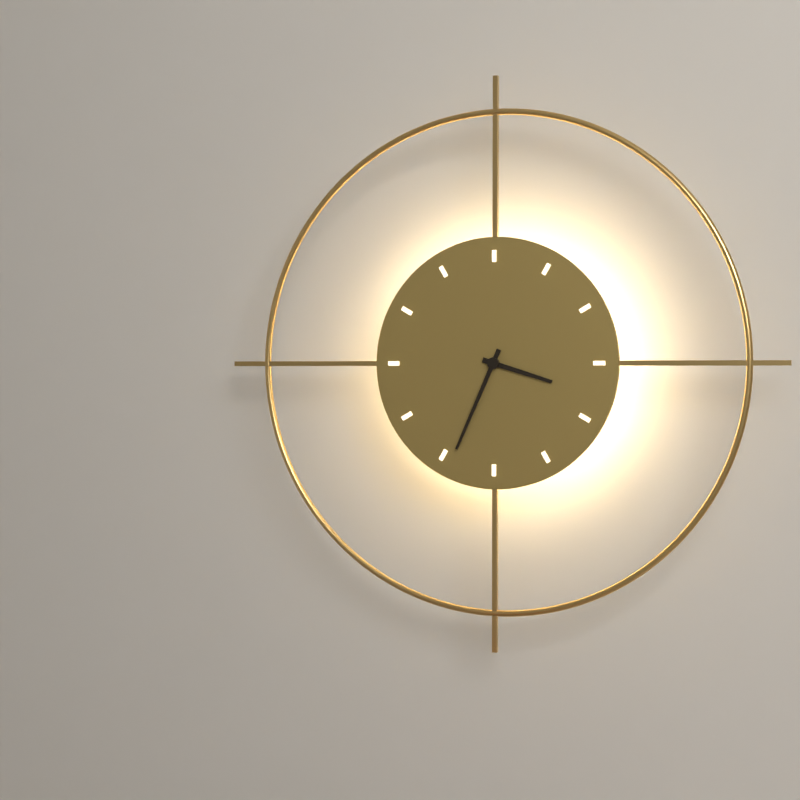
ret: **3:34**
